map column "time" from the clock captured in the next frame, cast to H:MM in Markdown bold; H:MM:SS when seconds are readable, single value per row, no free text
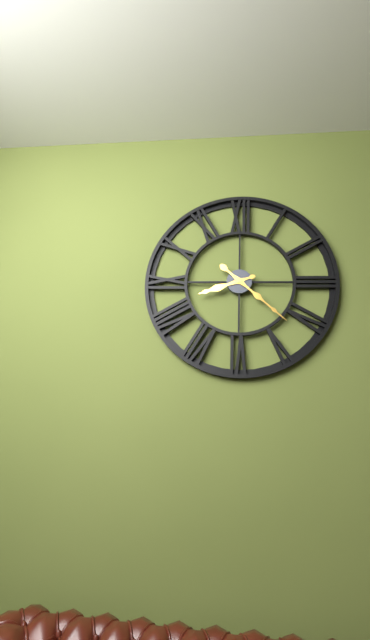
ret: **8:22**
